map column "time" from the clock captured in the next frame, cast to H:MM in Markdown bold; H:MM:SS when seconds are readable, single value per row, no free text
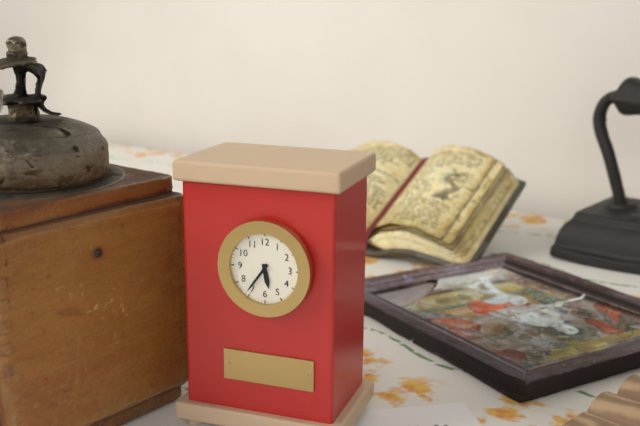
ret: **5:36**
